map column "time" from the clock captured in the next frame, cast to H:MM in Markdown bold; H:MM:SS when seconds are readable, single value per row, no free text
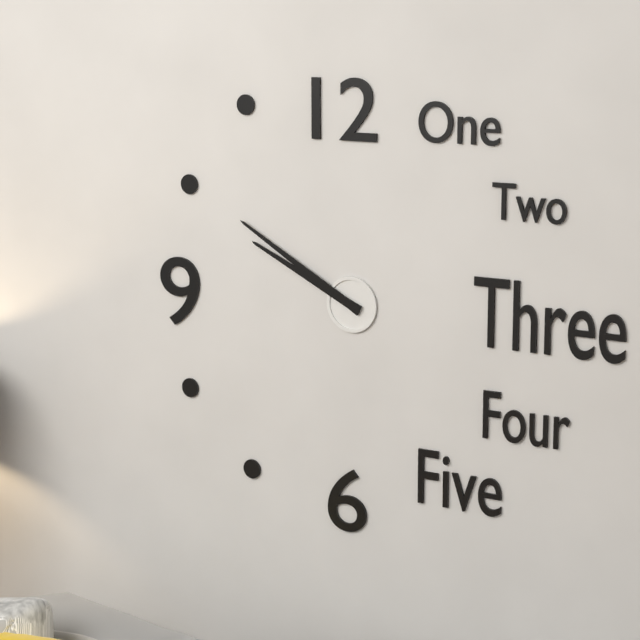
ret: **9:50**
